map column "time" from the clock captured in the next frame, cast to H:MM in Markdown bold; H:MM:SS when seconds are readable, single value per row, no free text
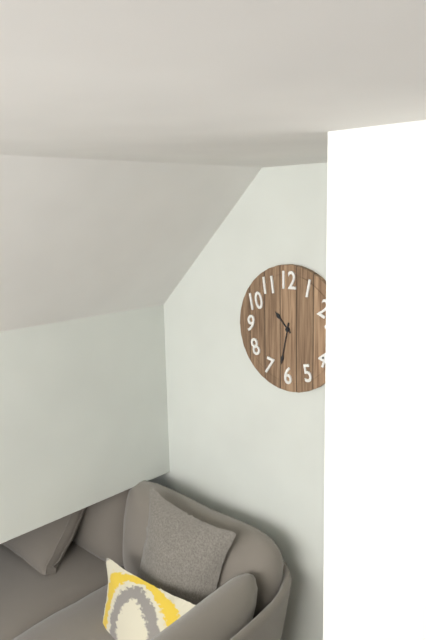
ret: **10:32**
